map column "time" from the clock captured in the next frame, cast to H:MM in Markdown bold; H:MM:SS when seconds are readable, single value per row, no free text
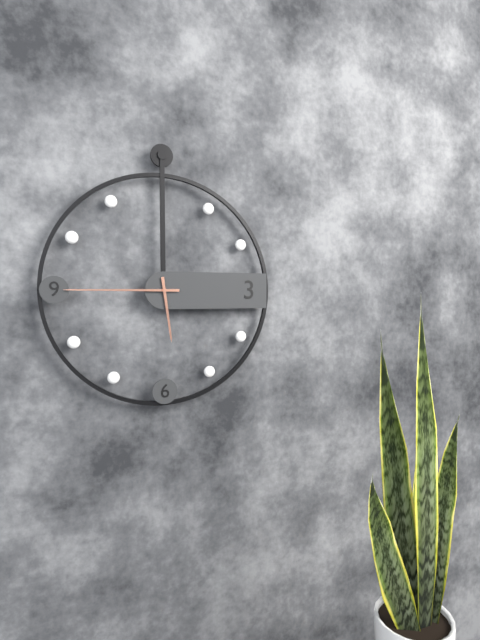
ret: **5:45**
